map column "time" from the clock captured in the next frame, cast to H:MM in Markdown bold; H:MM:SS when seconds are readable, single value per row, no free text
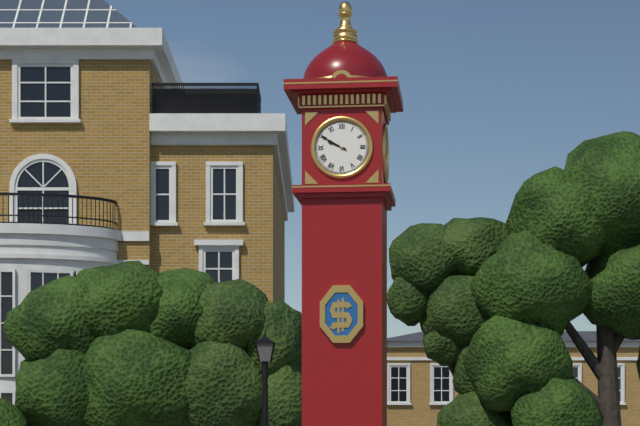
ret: **9:50**
